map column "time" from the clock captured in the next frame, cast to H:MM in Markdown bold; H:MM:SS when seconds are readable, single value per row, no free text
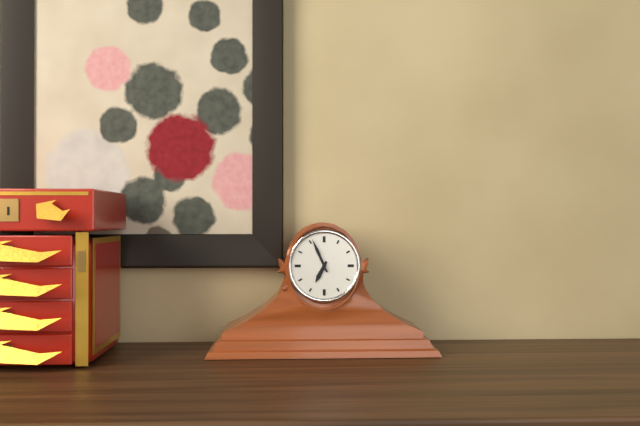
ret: **6:56**
